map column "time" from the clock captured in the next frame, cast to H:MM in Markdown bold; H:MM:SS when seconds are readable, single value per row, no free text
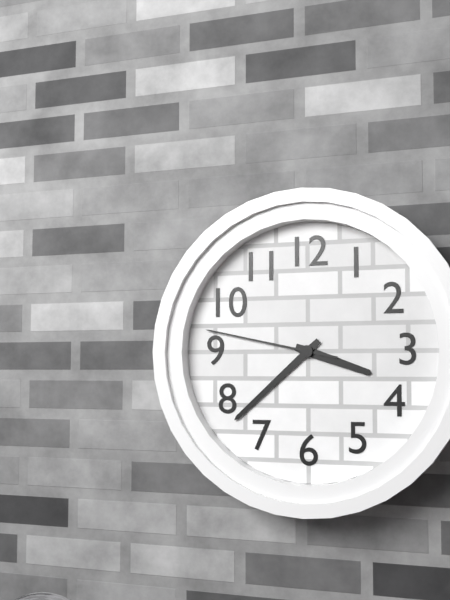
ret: **3:38:47**
